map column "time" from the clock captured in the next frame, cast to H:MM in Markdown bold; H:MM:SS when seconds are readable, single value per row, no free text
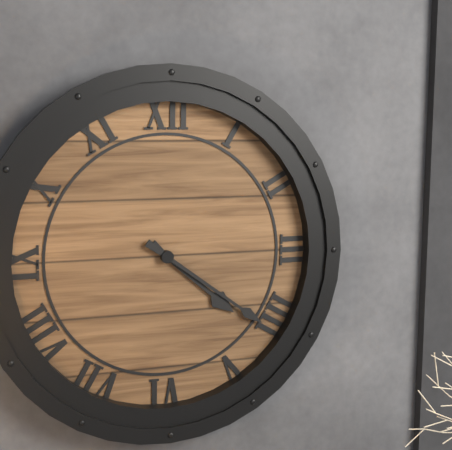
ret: **4:21**
